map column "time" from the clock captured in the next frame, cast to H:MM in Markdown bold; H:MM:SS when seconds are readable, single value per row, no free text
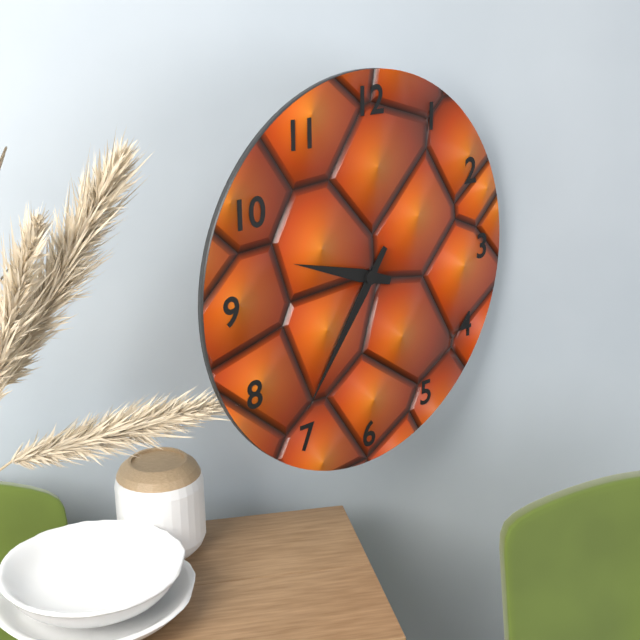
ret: **9:36**
